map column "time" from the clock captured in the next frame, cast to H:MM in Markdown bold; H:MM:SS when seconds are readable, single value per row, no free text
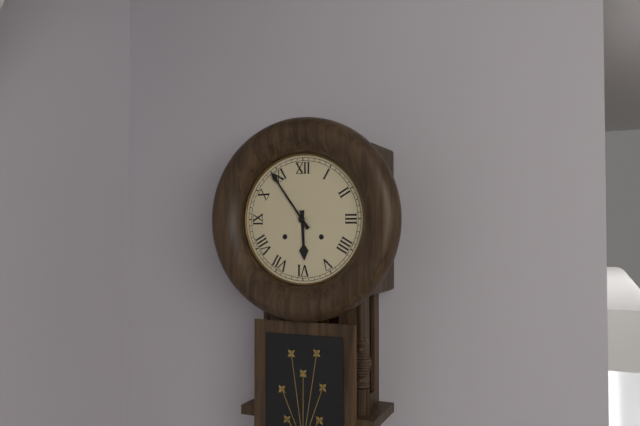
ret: **5:54**
